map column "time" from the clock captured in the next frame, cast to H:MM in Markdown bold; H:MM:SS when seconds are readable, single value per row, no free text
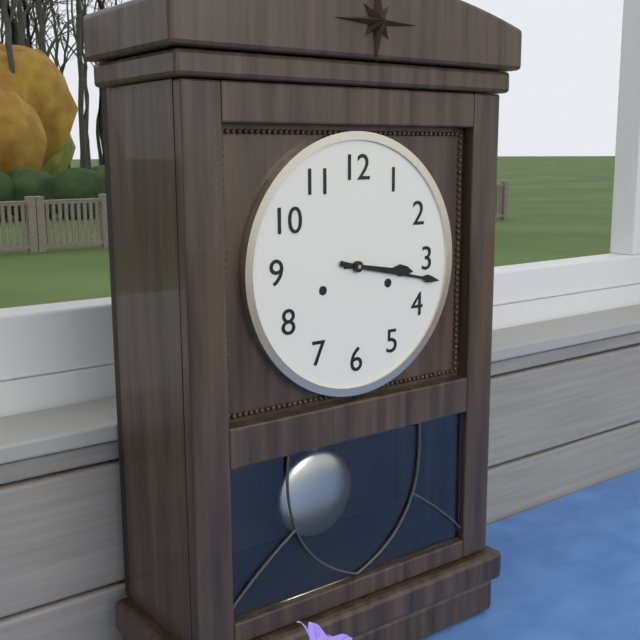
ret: **3:17**
